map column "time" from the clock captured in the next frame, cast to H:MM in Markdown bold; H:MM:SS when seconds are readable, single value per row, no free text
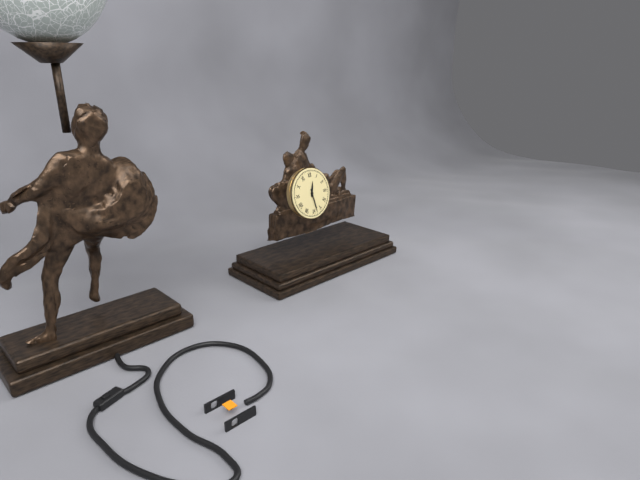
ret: **12:28**
